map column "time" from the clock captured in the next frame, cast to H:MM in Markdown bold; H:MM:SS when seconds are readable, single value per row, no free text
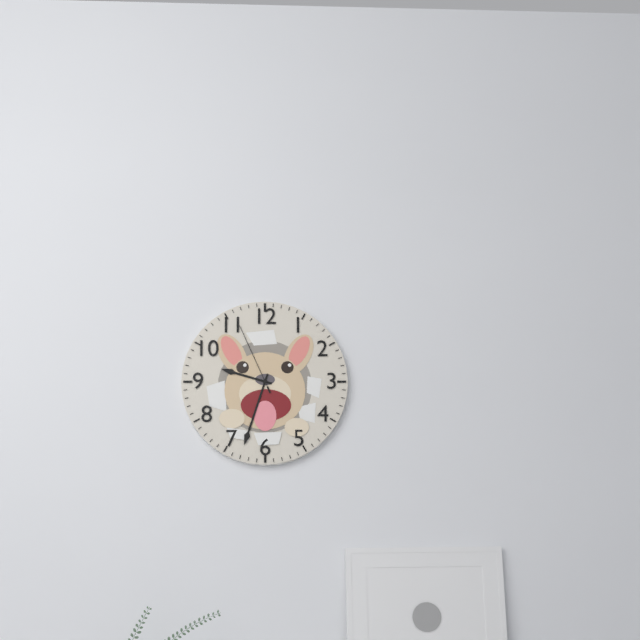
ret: **9:33:56**
